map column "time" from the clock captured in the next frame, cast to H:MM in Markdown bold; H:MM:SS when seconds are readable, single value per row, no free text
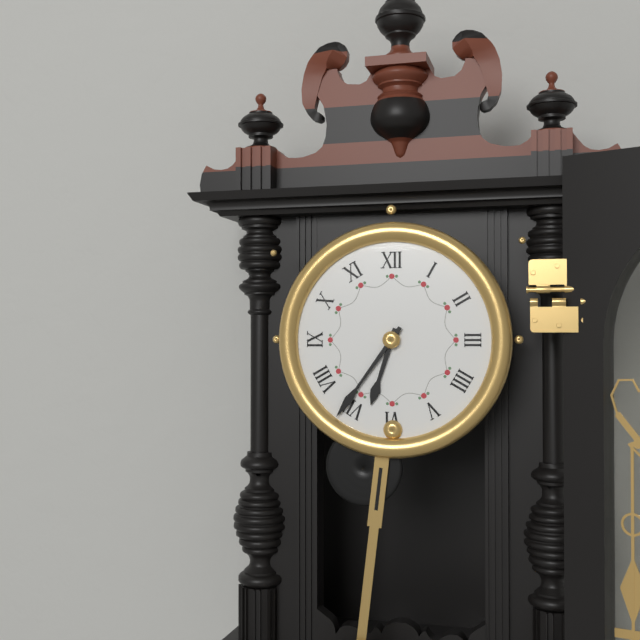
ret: **6:36**
